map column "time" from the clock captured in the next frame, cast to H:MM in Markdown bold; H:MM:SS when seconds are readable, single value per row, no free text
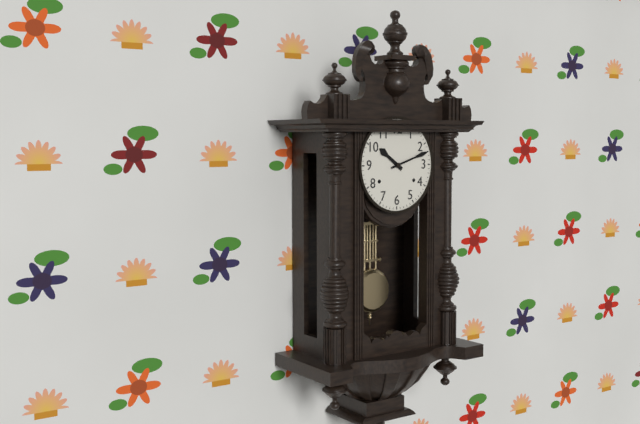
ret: **10:12**
